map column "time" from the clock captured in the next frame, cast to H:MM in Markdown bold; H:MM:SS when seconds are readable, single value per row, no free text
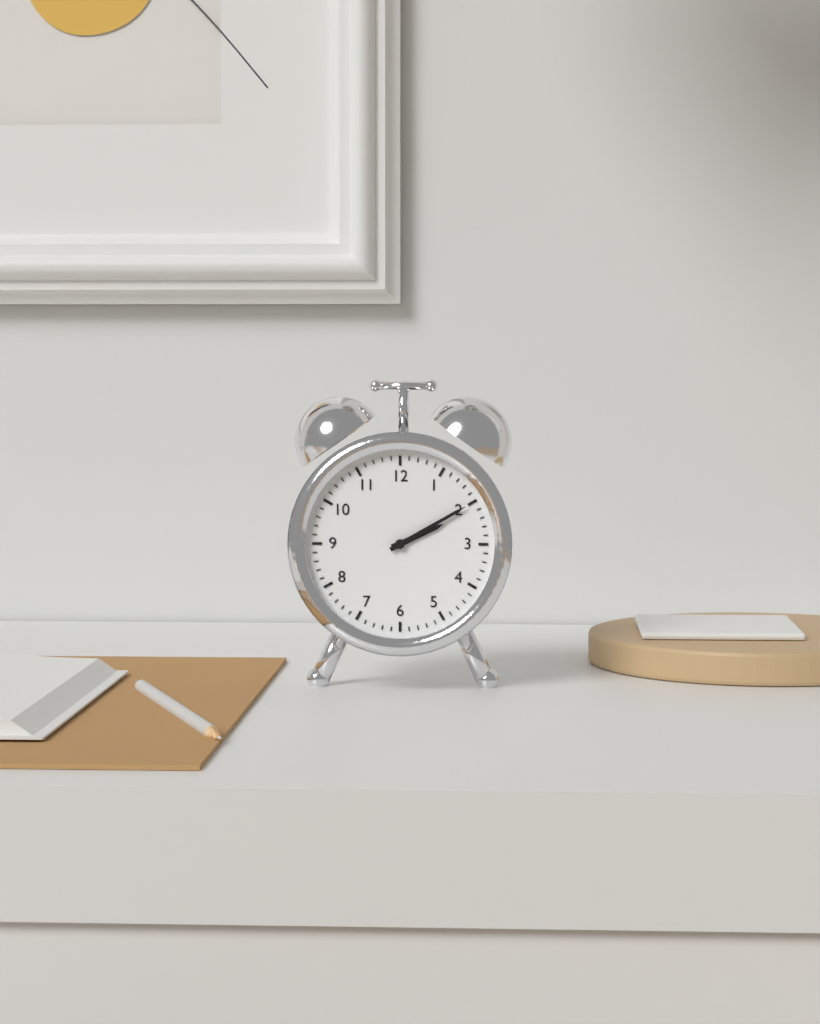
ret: **2:10**
